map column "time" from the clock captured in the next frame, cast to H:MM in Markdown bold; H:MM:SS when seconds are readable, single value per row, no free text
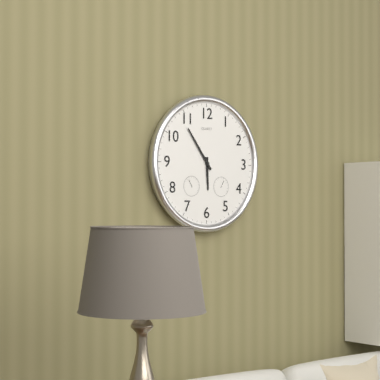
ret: **5:54**
